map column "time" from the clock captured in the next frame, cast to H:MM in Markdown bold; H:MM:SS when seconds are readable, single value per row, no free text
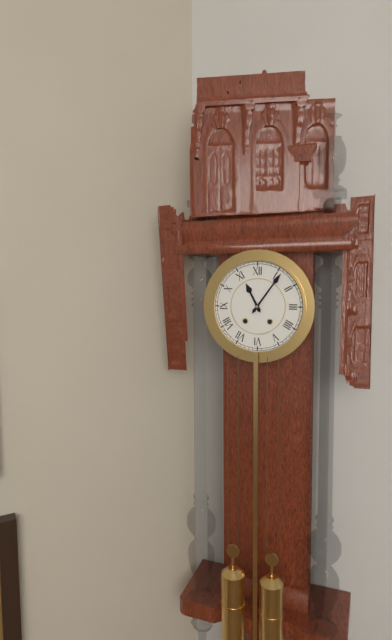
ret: **11:06**
